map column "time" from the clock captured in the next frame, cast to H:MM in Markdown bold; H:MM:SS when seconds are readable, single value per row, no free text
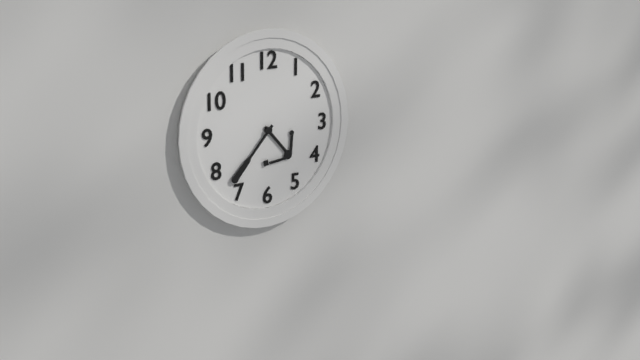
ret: **4:37**
